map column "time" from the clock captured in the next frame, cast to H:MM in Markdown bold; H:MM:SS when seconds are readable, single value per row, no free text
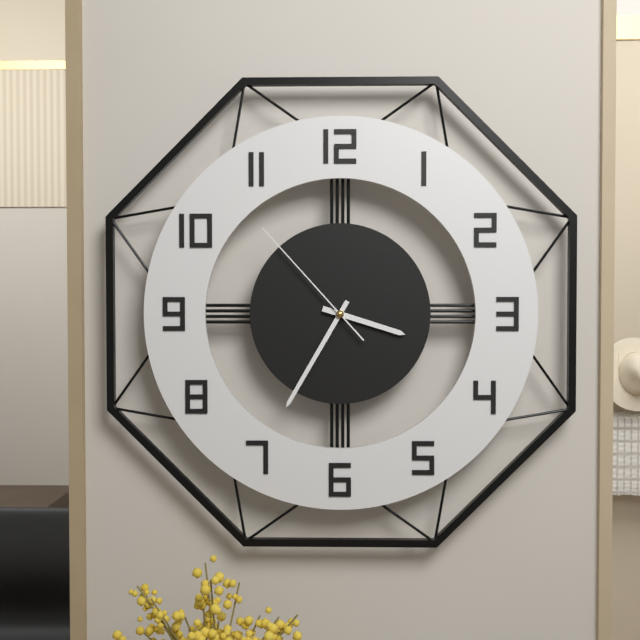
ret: **3:35:53**
